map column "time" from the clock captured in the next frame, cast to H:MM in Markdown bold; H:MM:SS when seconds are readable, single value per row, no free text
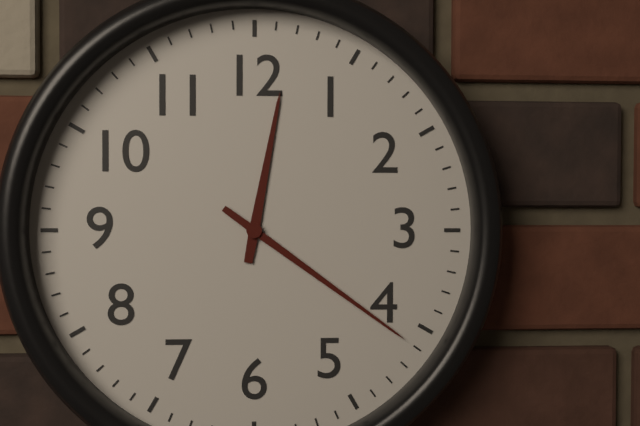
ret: **12:21**
